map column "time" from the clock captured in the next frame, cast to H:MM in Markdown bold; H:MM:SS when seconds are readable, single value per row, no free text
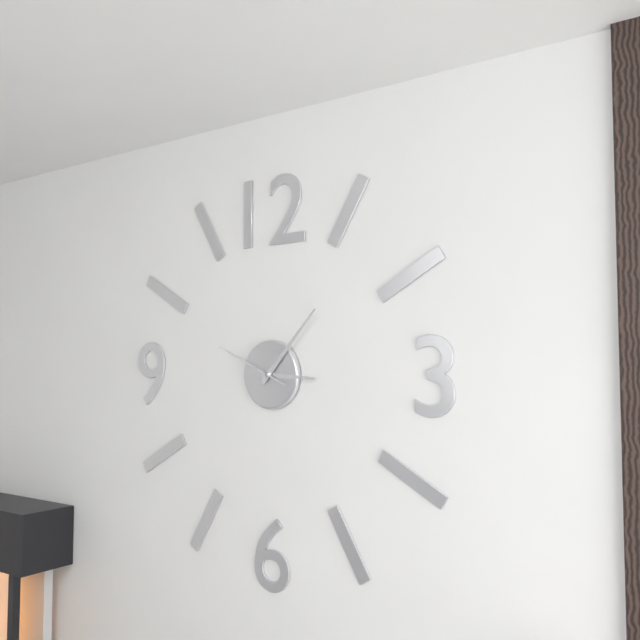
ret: **3:07:49**
